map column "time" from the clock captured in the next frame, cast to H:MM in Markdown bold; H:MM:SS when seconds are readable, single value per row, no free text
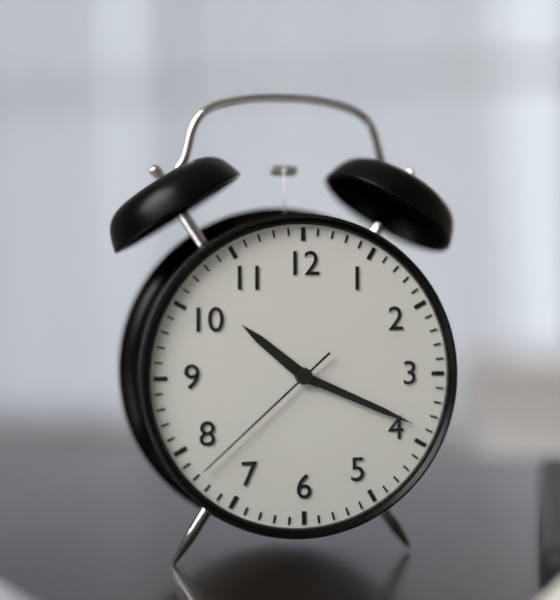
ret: **10:19:38**
